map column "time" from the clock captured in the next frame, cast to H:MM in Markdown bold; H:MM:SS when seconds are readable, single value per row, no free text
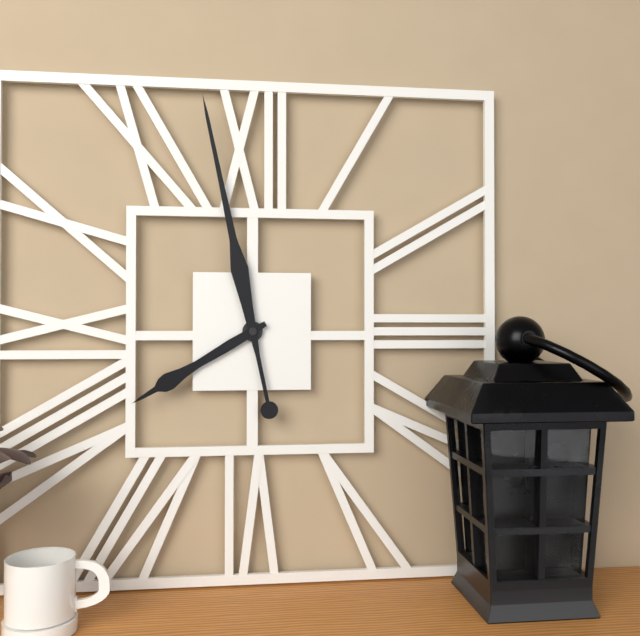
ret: **7:58**
